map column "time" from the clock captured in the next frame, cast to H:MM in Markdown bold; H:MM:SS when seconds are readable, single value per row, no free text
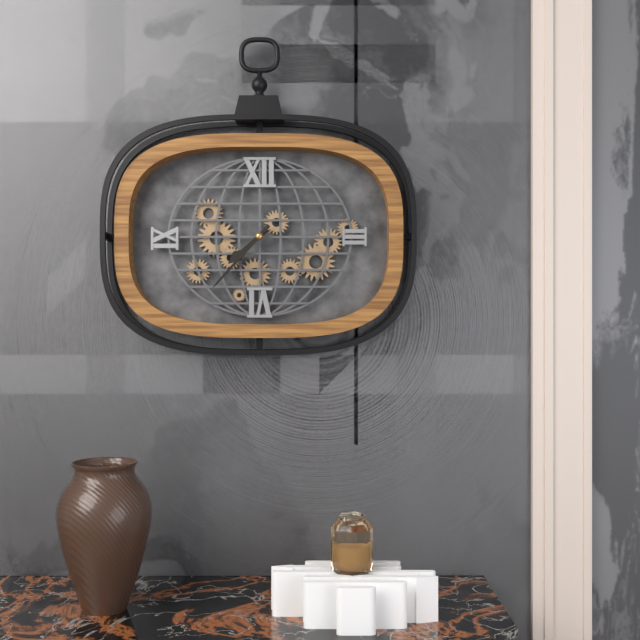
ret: **7:37**
